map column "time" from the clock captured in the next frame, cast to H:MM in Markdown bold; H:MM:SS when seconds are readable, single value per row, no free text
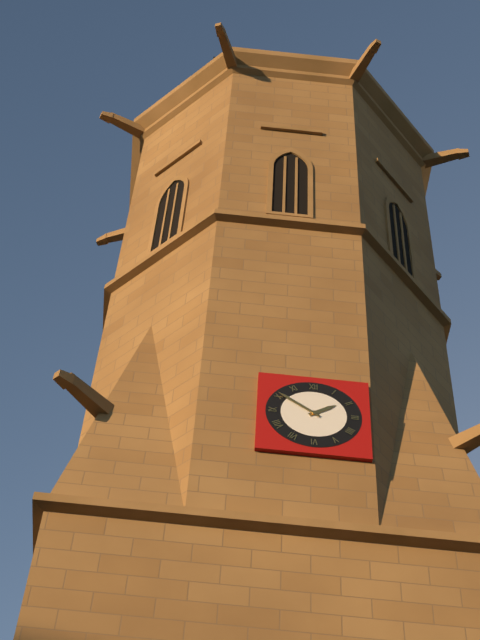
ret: **1:51**
